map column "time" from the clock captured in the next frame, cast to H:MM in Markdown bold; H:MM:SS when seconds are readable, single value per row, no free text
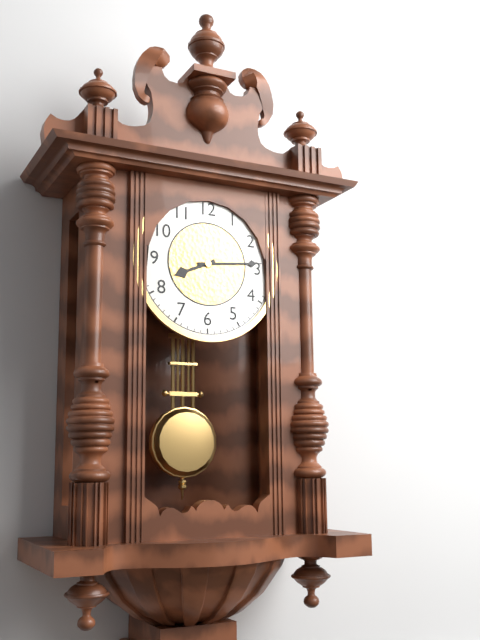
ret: **8:14**
